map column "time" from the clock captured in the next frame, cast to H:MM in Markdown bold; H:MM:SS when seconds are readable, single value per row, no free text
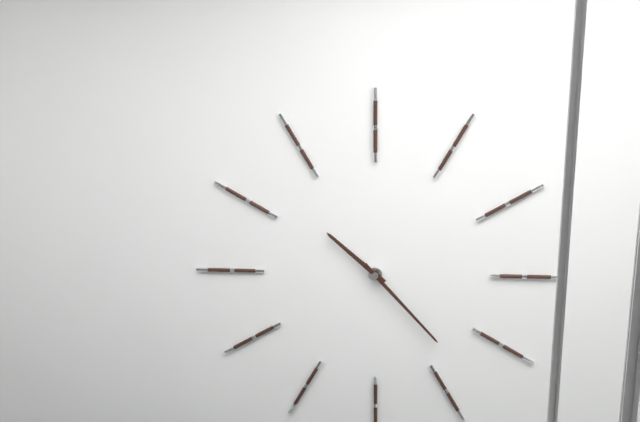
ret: **10:23**
